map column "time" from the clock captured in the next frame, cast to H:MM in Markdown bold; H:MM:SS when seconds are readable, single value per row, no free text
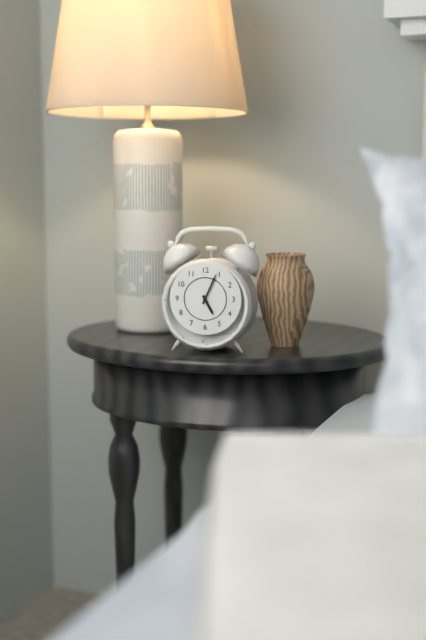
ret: **5:04**
